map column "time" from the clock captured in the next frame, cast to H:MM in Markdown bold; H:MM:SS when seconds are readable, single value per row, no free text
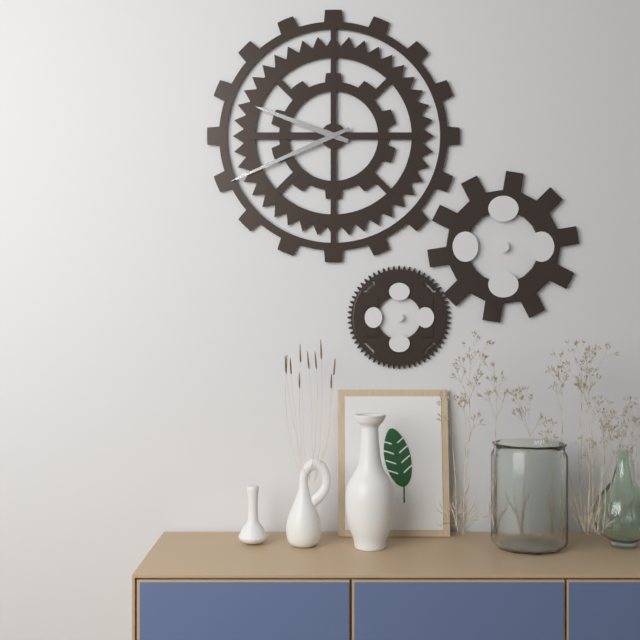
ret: **9:41**
